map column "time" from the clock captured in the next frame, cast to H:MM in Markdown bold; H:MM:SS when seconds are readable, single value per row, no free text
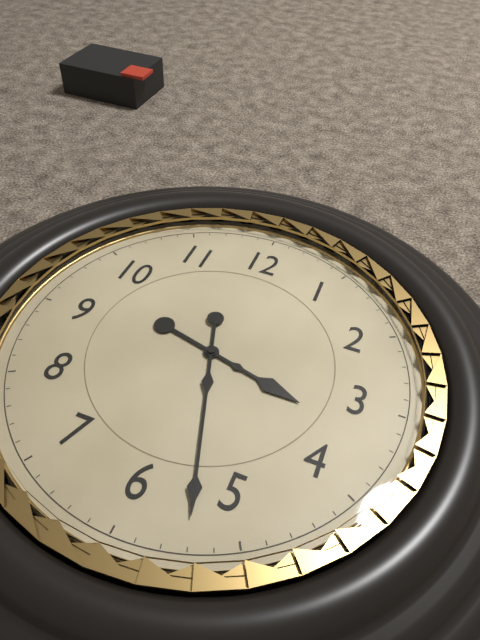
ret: **3:27**
